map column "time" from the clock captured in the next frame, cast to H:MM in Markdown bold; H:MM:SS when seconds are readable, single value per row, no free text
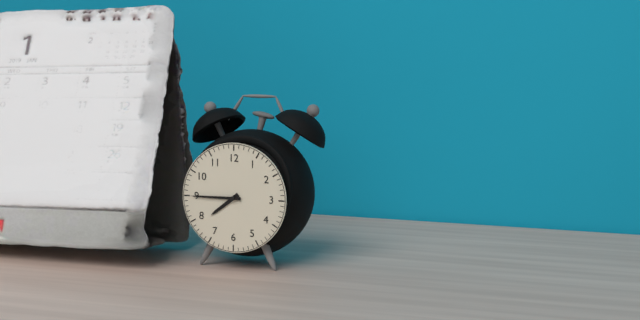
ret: **7:45**
